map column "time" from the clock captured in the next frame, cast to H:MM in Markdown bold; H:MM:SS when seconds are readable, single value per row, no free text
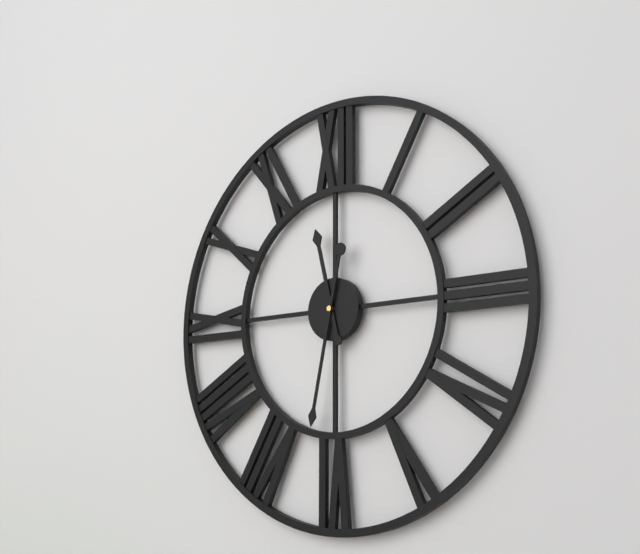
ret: **11:32**
